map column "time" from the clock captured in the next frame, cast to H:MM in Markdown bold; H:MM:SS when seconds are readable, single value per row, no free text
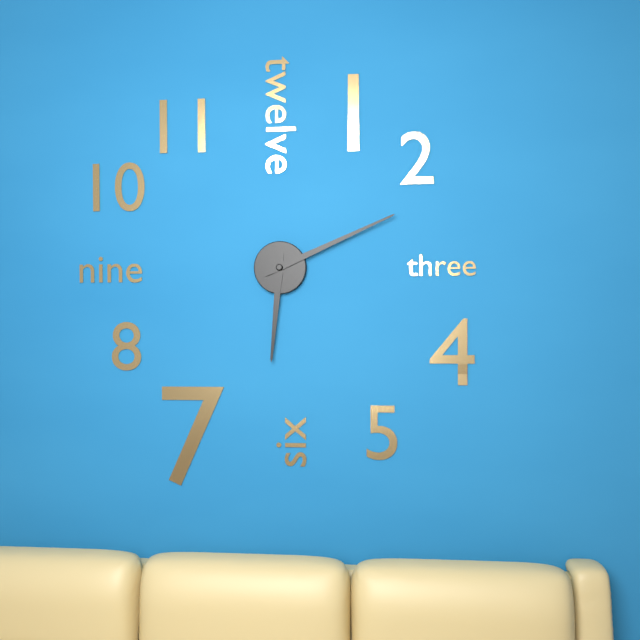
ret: **6:11**
